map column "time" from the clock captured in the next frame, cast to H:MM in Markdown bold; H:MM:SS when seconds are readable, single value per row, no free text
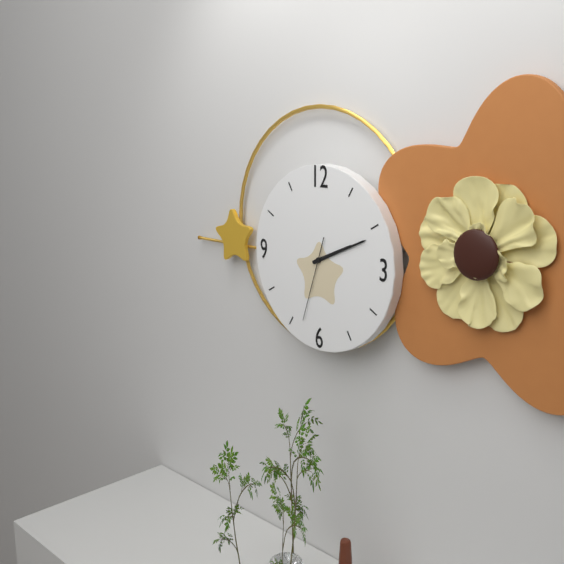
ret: **2:11:33**
